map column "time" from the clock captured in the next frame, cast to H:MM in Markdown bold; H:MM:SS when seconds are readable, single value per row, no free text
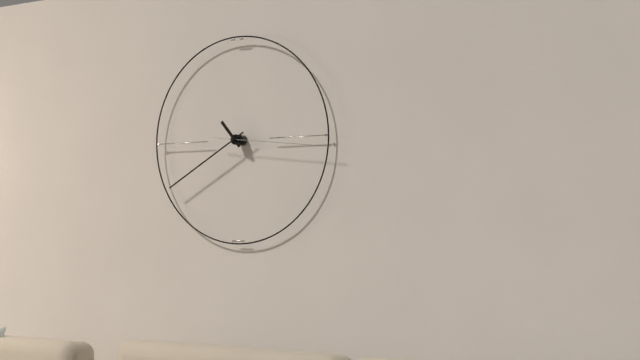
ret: **10:40:16**
